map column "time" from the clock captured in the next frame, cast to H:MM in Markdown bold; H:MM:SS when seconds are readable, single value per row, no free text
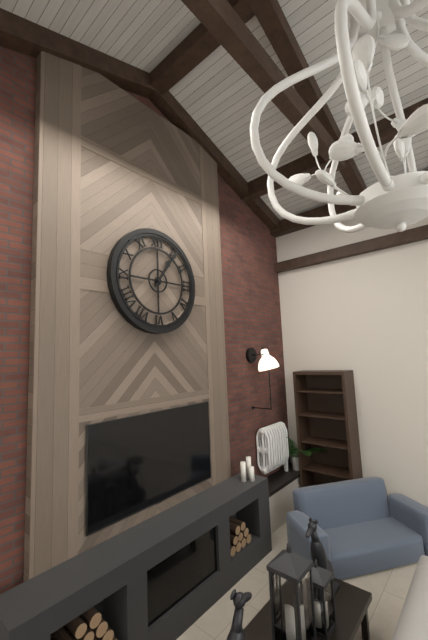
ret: **1:06**
